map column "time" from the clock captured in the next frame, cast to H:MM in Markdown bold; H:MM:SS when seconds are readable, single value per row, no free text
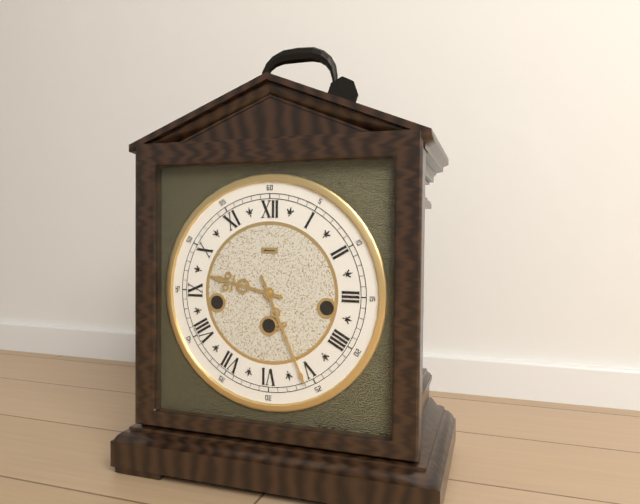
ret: **9:26**
